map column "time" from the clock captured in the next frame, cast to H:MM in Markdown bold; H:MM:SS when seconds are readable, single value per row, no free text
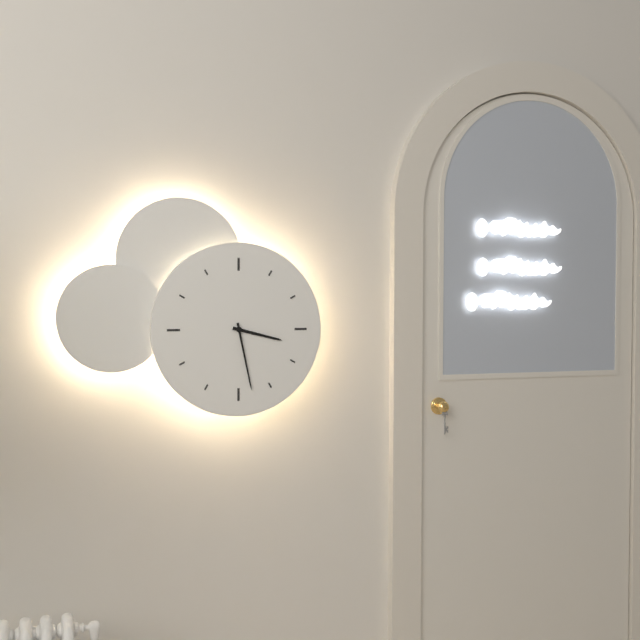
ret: **3:28**
